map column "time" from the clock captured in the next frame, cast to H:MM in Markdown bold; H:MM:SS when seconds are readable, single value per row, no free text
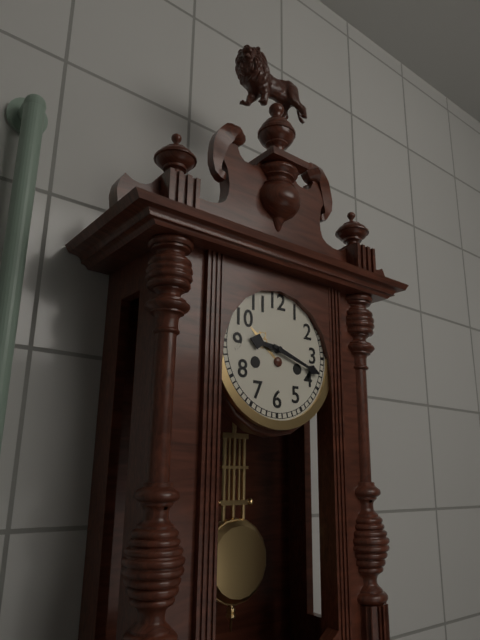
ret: **9:18**
